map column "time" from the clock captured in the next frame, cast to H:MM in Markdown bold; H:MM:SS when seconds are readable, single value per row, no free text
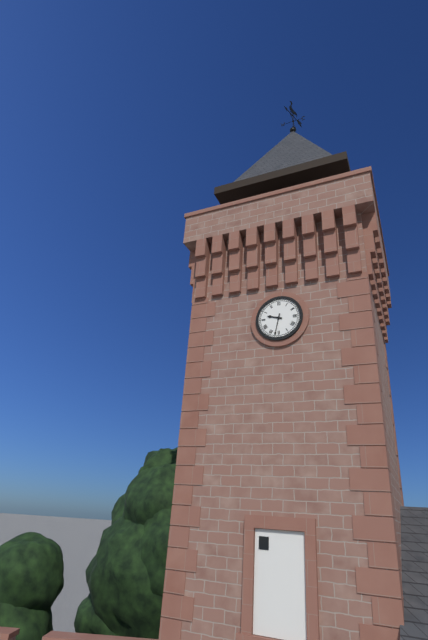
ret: **9:32**
